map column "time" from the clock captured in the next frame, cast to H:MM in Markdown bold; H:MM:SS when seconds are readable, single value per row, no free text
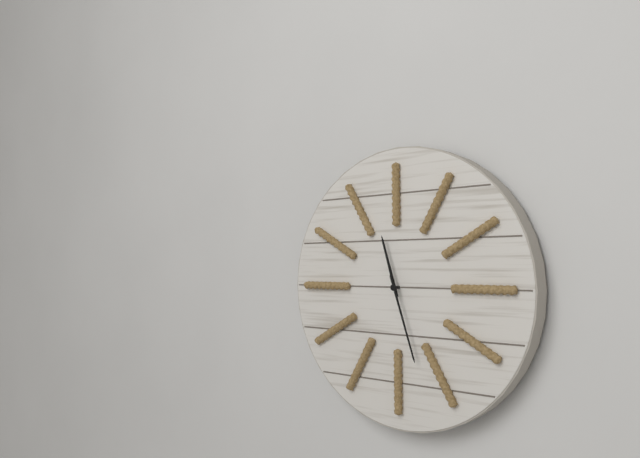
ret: **11:27**
